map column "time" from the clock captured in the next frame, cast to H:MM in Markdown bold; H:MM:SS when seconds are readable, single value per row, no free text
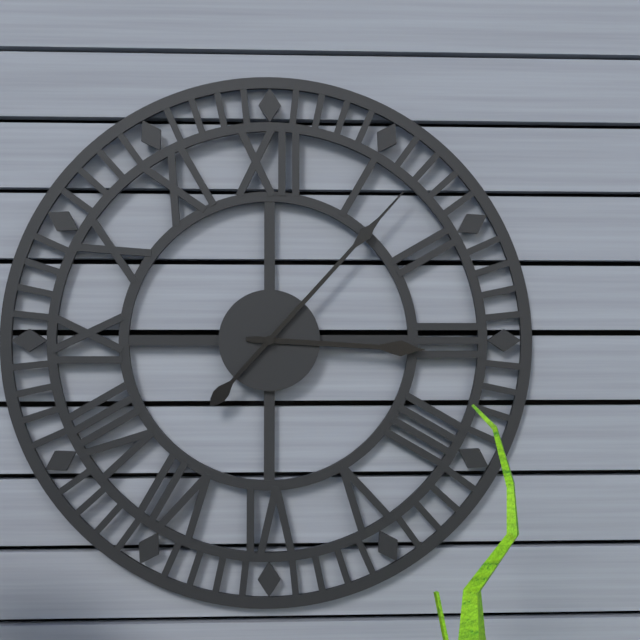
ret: **3:07**
